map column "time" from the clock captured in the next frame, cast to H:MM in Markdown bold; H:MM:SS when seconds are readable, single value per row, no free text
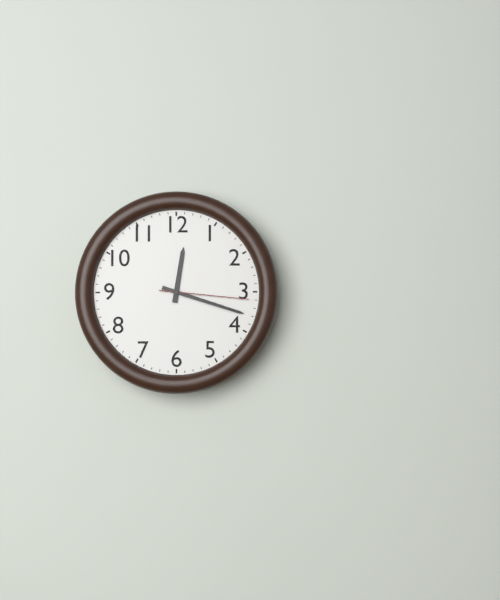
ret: **12:18:16**
